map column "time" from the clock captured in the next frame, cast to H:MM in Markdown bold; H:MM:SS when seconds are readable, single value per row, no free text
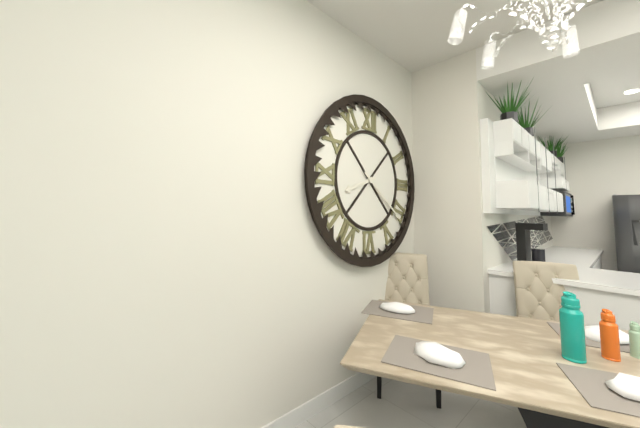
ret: **8:21**
